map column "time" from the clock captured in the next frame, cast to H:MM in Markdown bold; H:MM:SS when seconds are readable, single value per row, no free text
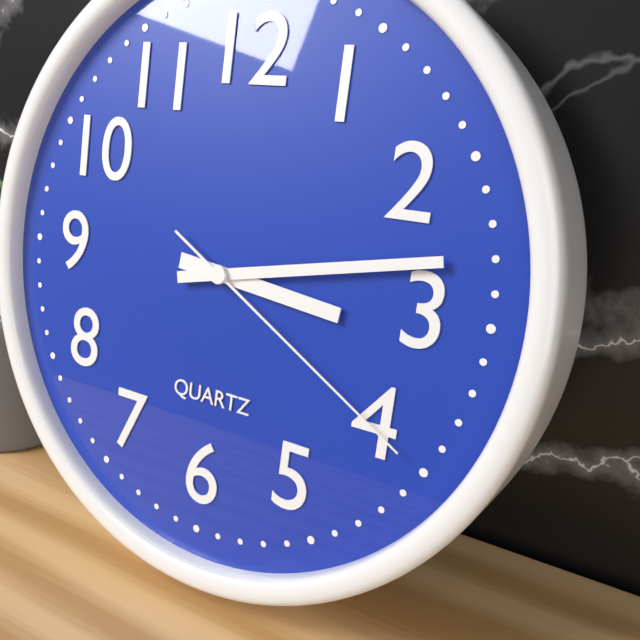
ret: **3:13:20**
